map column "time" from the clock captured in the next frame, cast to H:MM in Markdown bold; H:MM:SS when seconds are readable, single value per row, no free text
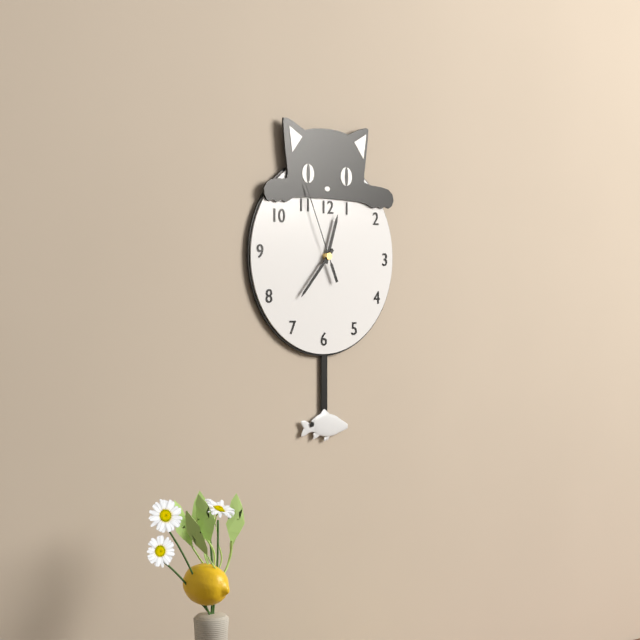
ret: **12:37:56**
